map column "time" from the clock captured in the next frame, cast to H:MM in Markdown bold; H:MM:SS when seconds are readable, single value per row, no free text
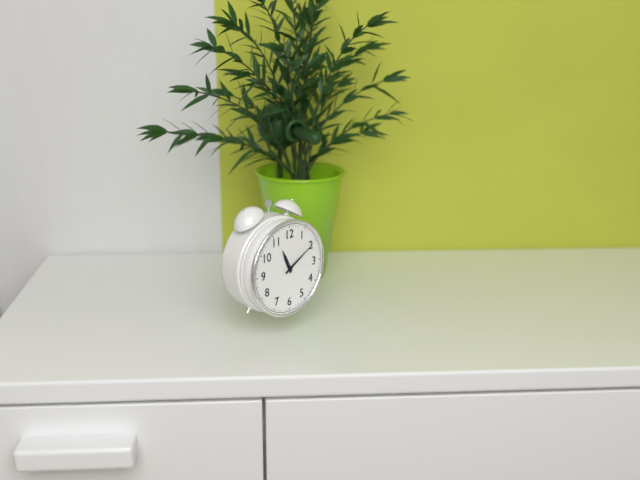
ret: **11:10**
